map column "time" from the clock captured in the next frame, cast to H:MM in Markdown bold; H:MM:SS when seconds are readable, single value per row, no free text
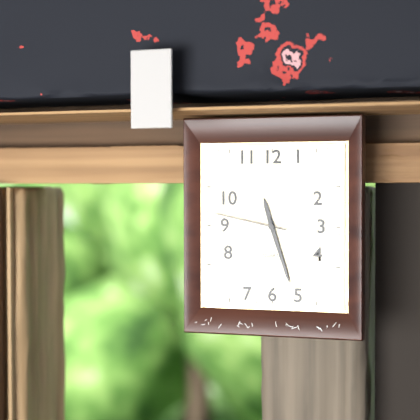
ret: **11:27:47**
